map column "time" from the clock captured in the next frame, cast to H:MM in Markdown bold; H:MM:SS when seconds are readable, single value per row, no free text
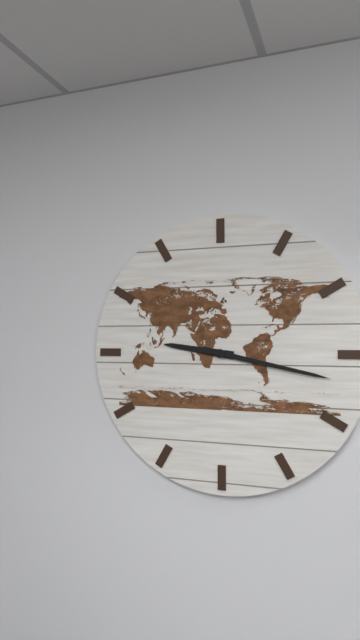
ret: **9:17**
